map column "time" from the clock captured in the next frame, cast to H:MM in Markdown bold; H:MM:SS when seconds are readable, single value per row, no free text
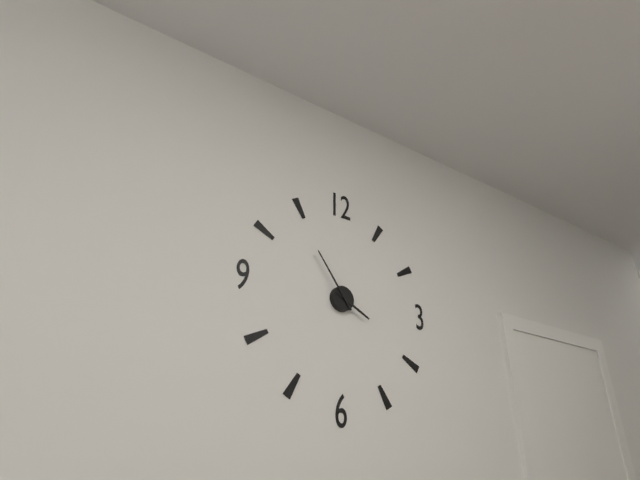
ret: **3:54**
